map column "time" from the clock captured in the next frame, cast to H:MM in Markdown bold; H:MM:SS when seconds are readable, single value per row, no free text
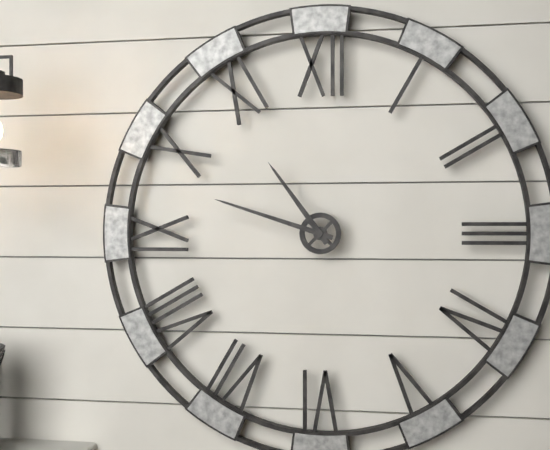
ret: **10:48**
